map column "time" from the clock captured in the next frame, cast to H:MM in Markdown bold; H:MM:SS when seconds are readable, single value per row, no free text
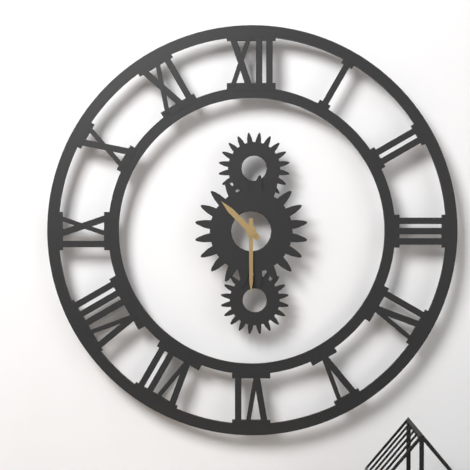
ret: **10:30**
